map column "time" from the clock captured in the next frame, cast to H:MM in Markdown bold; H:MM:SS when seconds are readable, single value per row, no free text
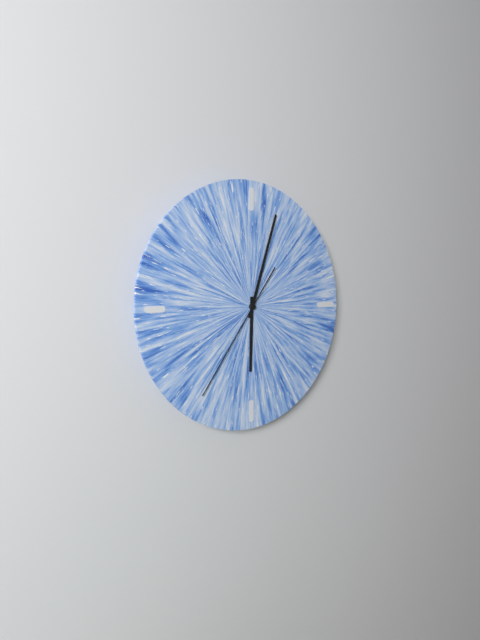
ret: **6:03:36**
